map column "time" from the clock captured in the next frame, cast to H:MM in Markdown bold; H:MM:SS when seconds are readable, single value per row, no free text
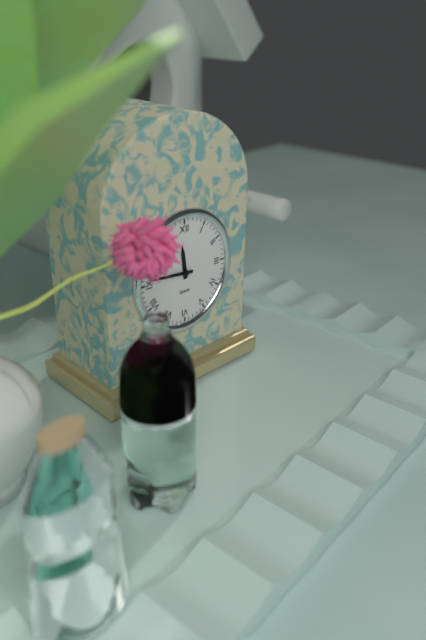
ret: **11:46**
